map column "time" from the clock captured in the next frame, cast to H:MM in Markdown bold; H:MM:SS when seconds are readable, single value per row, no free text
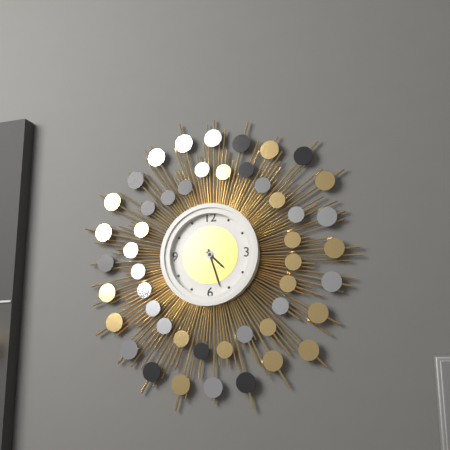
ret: **4:27**
